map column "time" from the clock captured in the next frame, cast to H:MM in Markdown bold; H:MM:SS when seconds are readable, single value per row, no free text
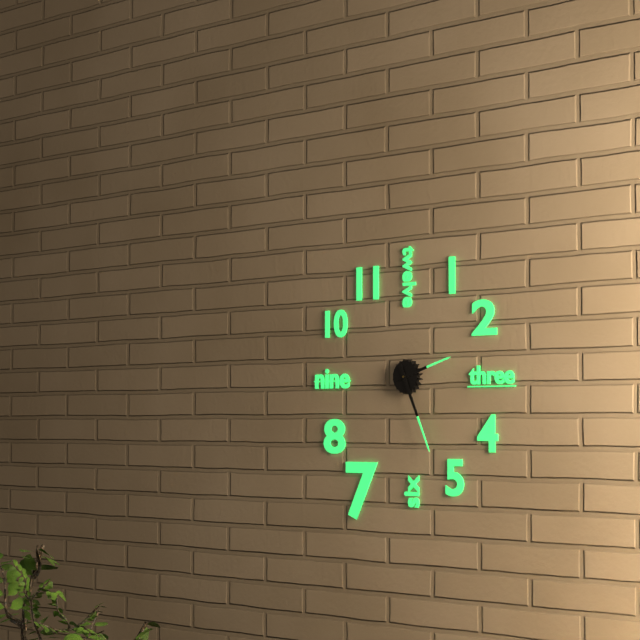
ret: **2:26**
